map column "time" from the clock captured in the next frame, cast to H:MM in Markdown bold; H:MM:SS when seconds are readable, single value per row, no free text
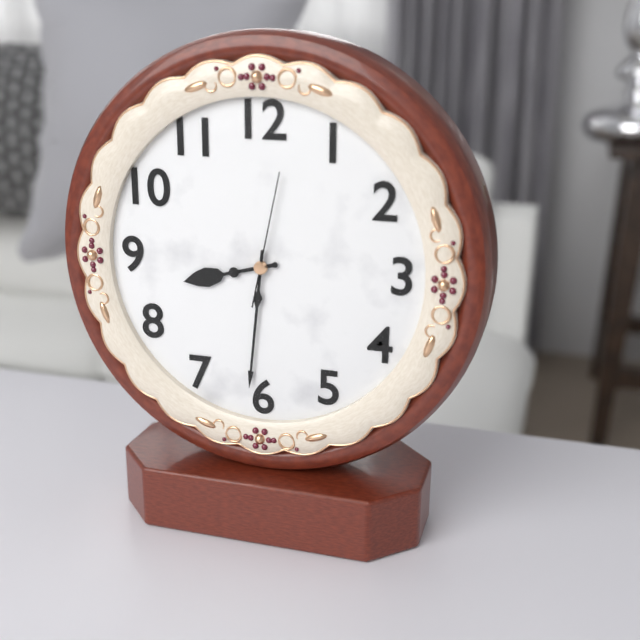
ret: **8:31:02**
